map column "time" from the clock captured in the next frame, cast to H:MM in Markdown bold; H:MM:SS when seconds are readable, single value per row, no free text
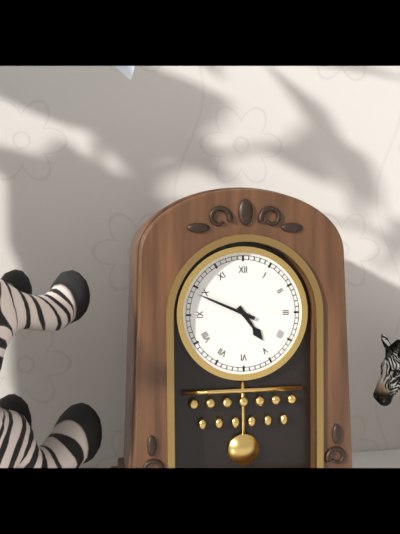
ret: **4:49**
